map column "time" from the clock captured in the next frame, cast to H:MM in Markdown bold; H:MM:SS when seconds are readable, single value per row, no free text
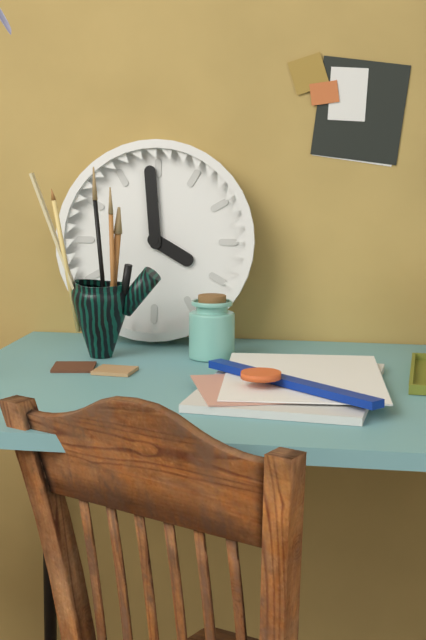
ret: **3:59**
